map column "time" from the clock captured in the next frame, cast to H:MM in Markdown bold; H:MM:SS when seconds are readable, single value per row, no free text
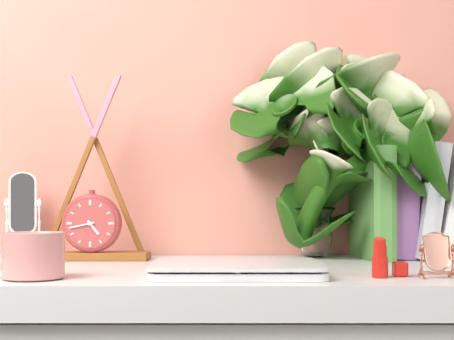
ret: **4:43**
